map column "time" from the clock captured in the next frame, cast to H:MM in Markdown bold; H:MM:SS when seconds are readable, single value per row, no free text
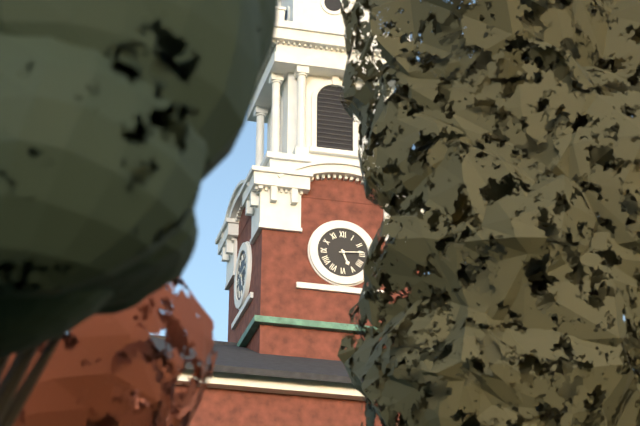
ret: **5:14**
